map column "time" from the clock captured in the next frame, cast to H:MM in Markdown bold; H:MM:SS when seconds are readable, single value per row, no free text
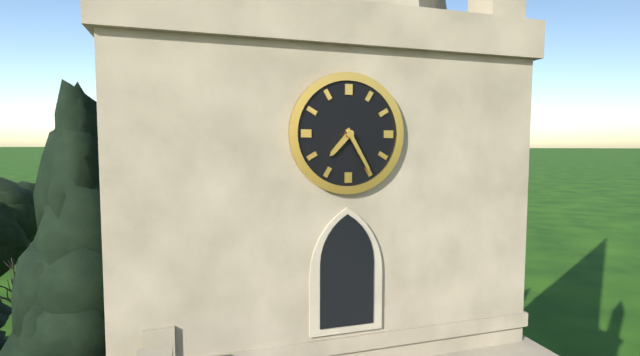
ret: **7:25**
